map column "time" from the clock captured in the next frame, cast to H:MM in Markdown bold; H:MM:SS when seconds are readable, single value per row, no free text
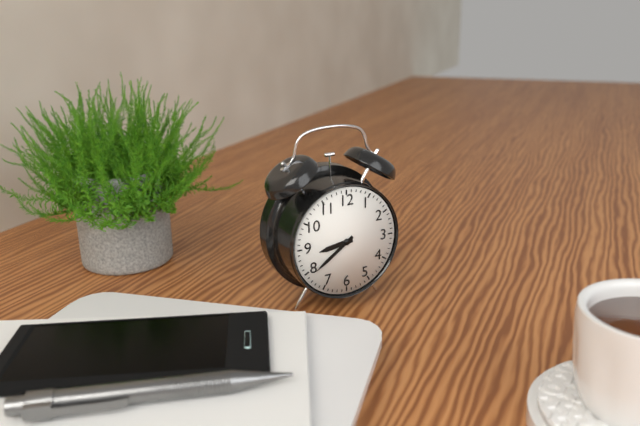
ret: **8:39**
